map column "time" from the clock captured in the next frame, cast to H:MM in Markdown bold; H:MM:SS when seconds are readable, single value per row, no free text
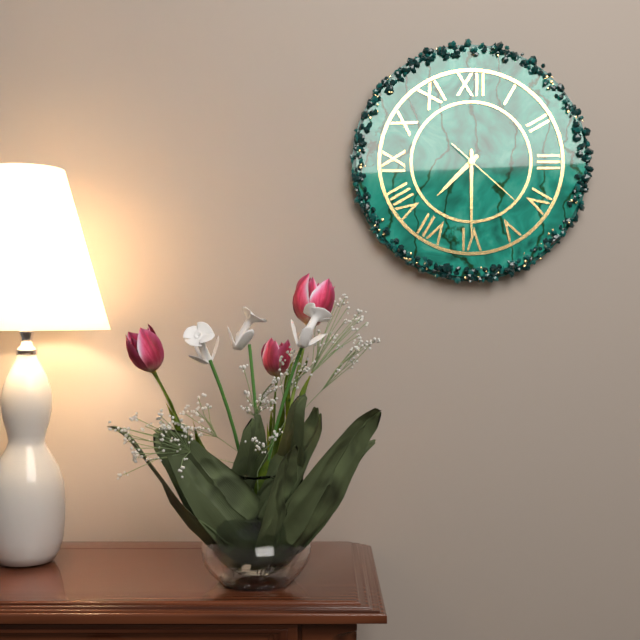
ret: **7:30:22**
